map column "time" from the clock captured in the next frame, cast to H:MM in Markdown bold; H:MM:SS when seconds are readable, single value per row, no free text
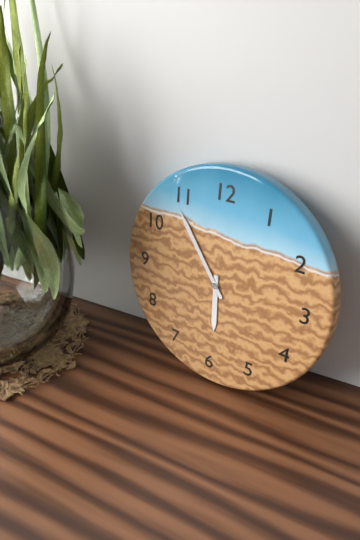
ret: **5:54**
